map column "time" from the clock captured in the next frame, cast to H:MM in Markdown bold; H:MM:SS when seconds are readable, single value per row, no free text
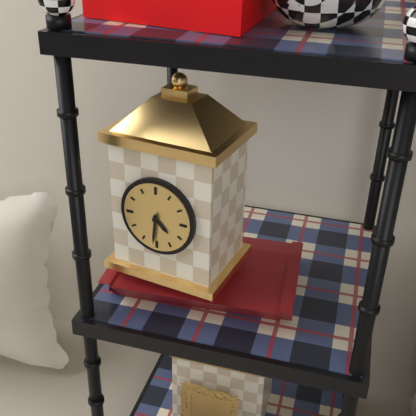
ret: **4:31**
